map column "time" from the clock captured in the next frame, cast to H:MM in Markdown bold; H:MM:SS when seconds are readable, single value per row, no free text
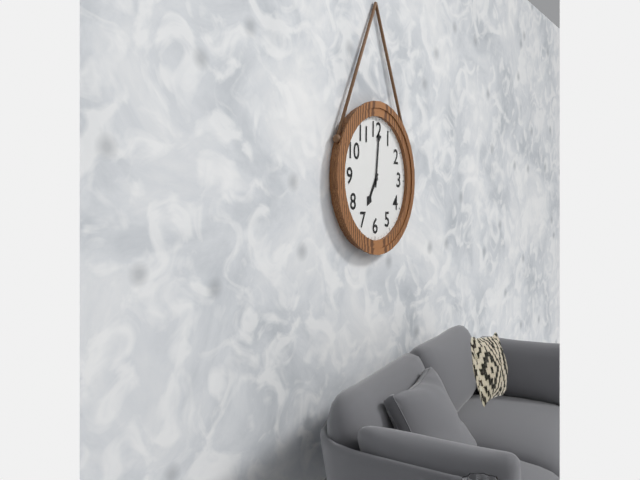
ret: **7:01**
